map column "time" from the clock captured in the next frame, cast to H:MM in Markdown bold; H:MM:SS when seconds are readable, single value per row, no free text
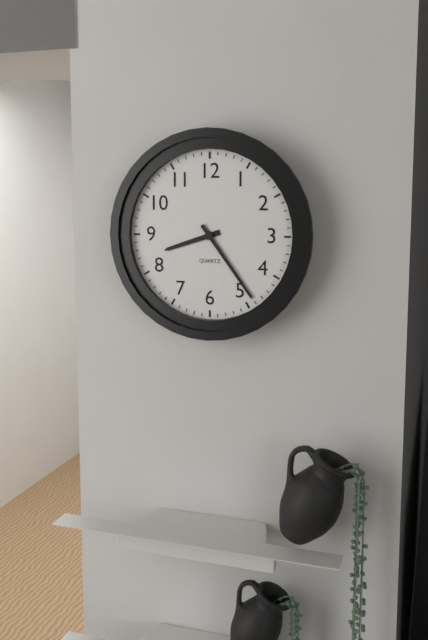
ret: **8:24**
